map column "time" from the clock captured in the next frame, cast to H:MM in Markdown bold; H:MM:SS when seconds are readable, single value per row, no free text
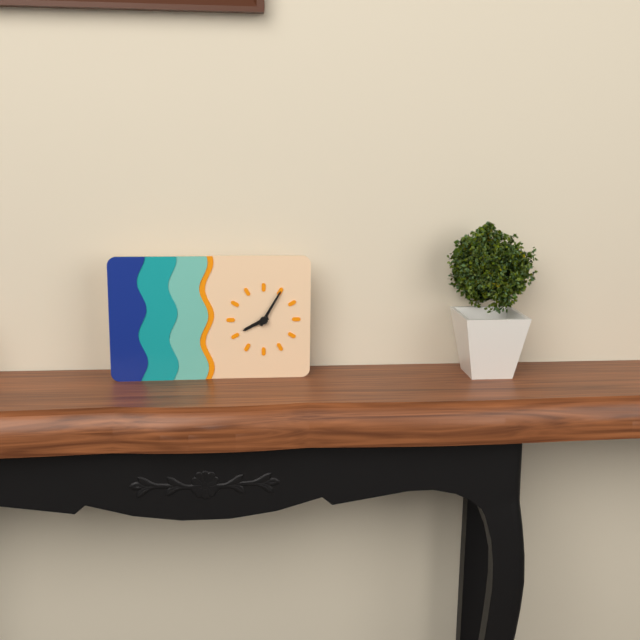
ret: **8:05**
